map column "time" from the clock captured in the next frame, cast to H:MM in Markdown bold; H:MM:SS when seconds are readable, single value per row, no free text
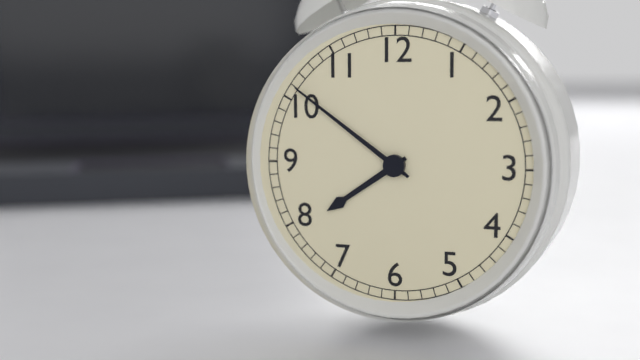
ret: **7:51**
